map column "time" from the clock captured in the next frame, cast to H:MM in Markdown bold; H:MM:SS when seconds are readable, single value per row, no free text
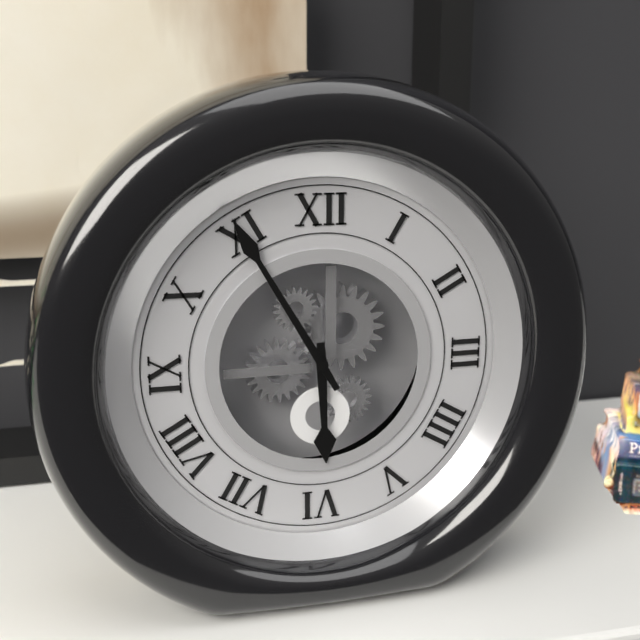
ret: **5:55**
